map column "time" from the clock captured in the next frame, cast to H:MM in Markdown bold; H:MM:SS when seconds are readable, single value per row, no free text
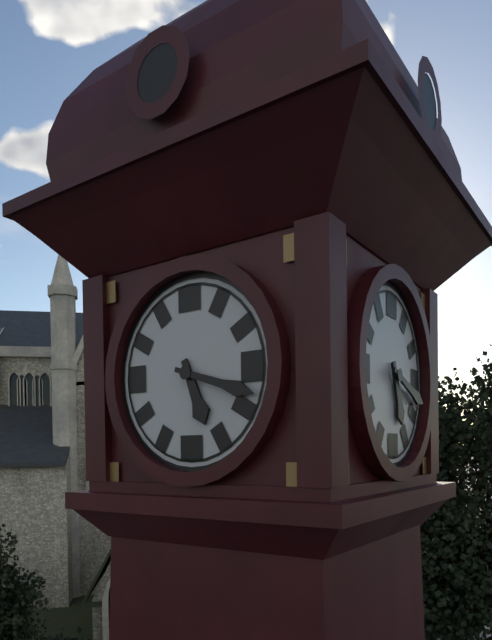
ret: **5:18**
